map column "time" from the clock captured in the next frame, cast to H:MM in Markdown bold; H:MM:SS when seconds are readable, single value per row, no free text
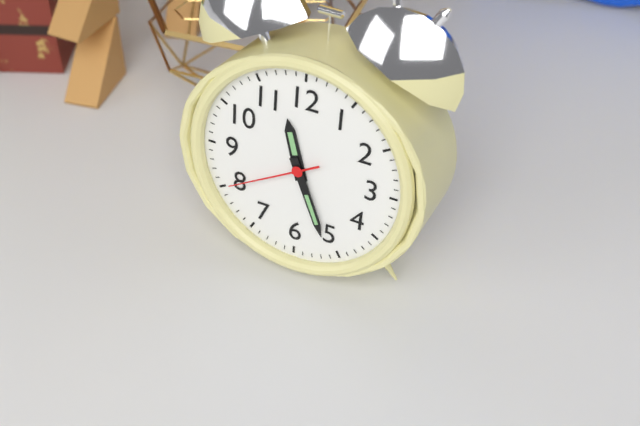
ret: **11:26:40**
